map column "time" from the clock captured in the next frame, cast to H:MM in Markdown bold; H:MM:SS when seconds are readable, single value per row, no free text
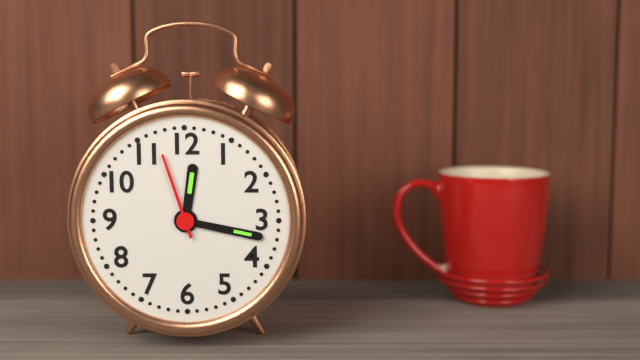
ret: **12:17:57**
